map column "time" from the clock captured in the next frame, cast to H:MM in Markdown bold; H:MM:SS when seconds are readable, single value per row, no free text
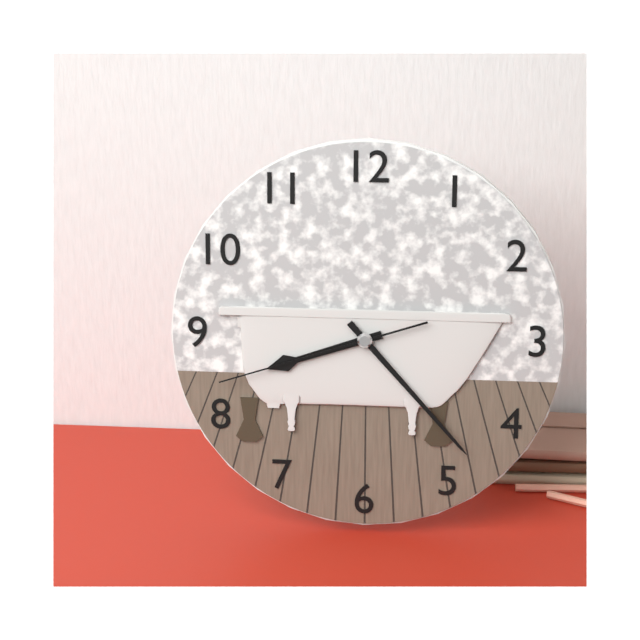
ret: **8:23:42**
